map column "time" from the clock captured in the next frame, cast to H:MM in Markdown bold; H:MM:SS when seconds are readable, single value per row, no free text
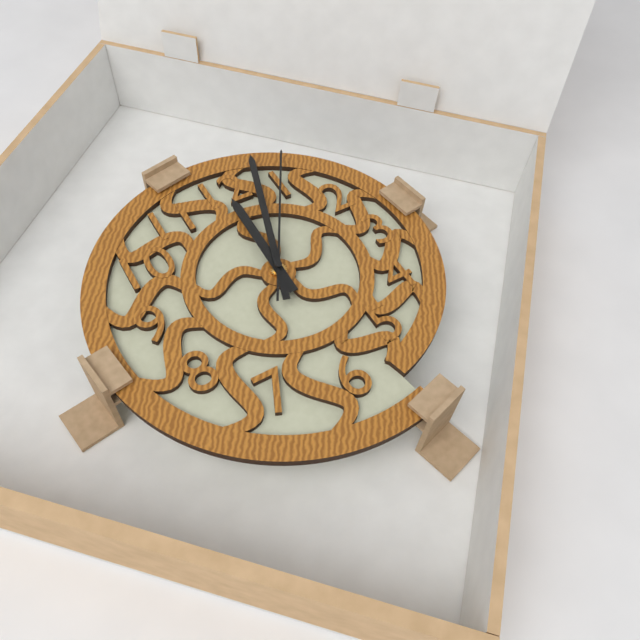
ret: **12:03:05**
